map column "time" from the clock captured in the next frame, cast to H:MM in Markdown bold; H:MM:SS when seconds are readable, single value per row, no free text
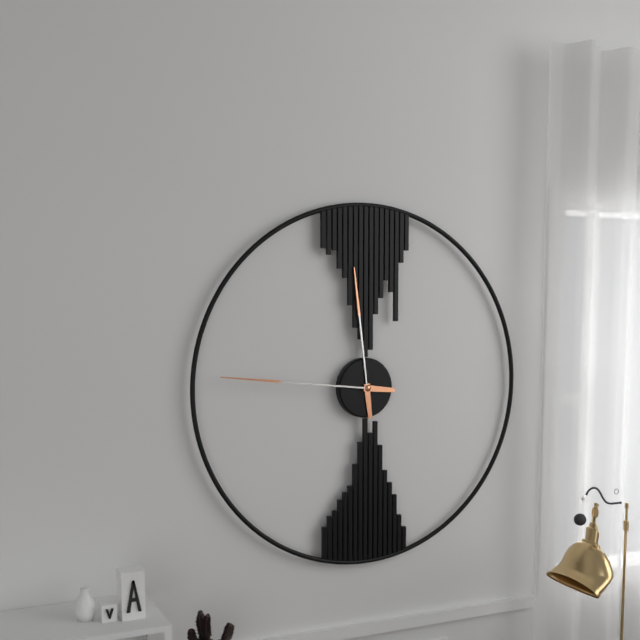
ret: **11:46**
